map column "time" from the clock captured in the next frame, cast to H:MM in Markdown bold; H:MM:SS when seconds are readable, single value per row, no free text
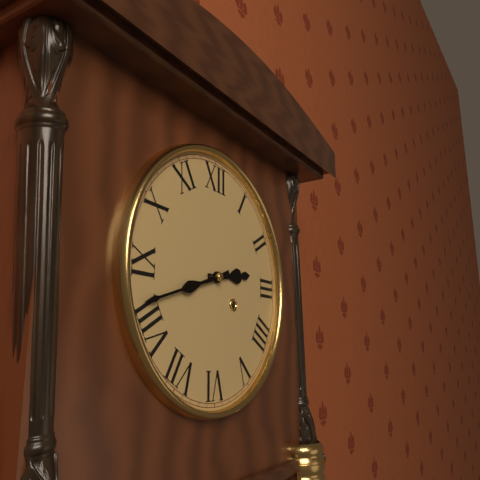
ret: **2:42**
